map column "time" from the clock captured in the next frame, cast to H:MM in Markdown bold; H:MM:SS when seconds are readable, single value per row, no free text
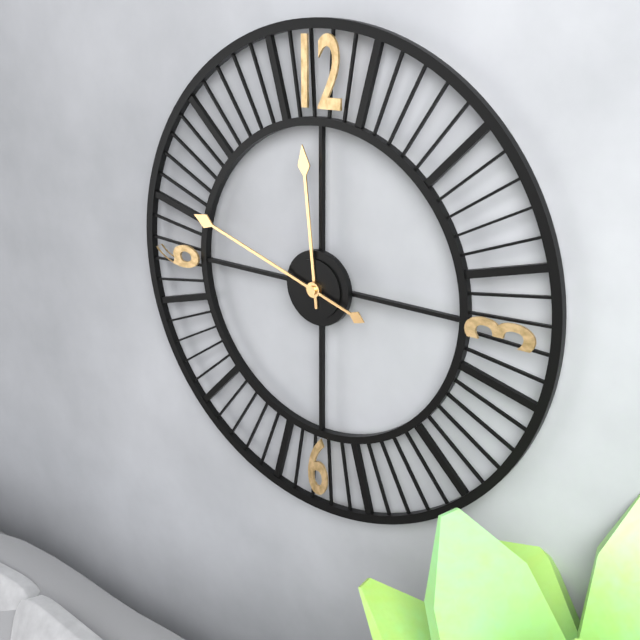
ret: **11:48**
